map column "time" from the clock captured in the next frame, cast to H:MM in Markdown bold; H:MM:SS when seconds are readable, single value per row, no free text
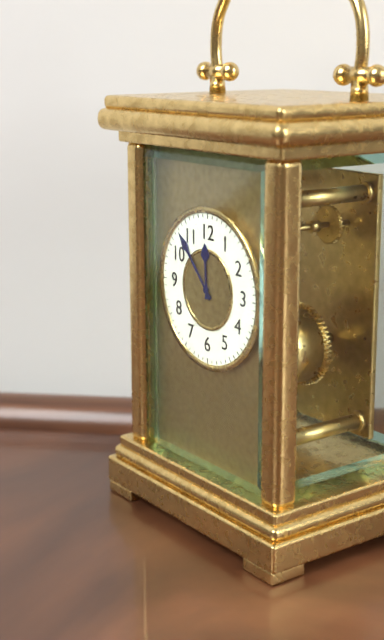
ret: **11:53**
